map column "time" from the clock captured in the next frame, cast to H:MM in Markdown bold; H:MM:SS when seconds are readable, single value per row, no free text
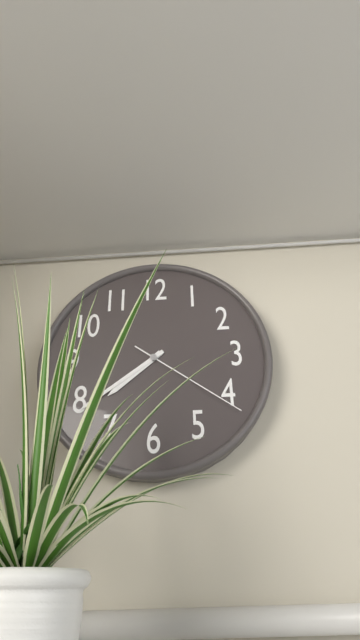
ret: **7:39:21**
